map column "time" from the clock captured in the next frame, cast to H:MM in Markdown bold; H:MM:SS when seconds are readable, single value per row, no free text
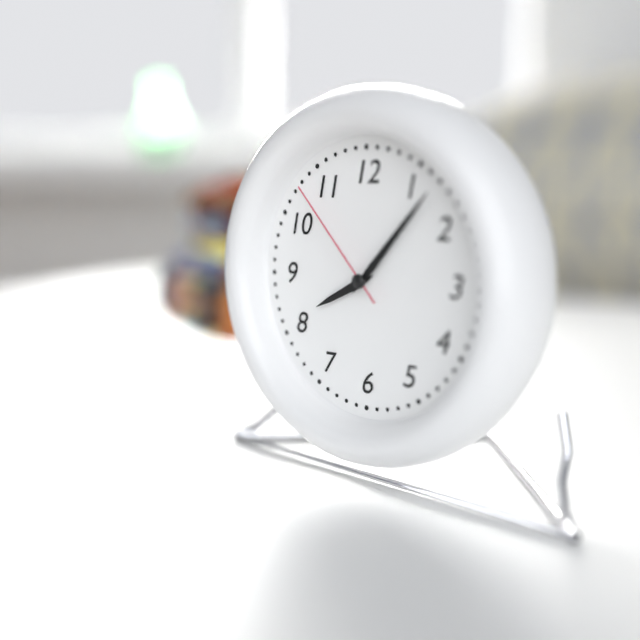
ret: **8:07:53**
